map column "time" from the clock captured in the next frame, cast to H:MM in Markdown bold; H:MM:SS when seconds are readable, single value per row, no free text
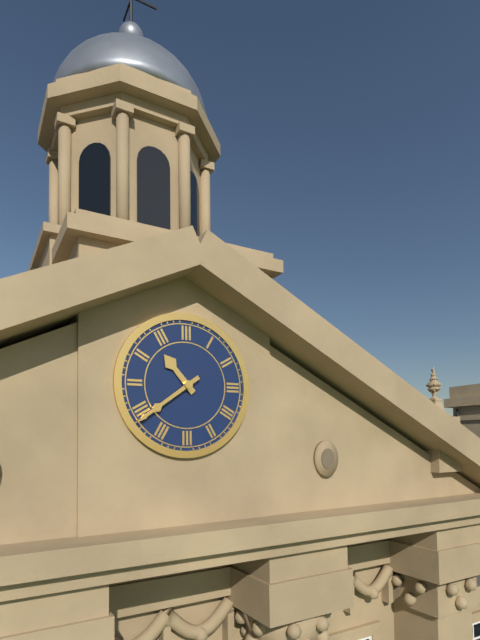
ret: **10:39**
